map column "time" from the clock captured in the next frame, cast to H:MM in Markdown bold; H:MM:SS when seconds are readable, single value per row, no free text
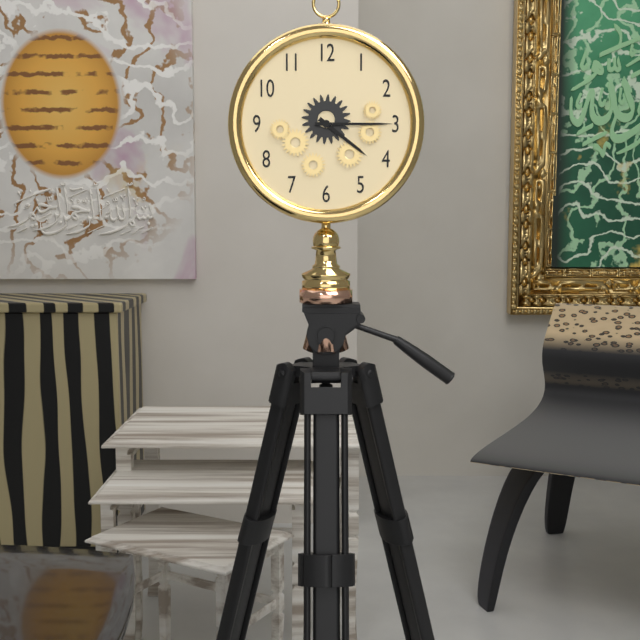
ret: **4:15**
